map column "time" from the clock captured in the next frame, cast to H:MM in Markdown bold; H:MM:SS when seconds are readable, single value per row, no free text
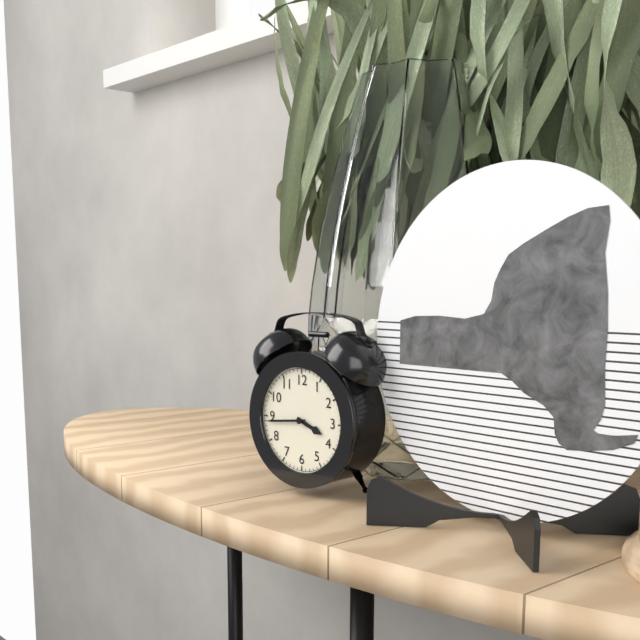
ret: **3:44**
